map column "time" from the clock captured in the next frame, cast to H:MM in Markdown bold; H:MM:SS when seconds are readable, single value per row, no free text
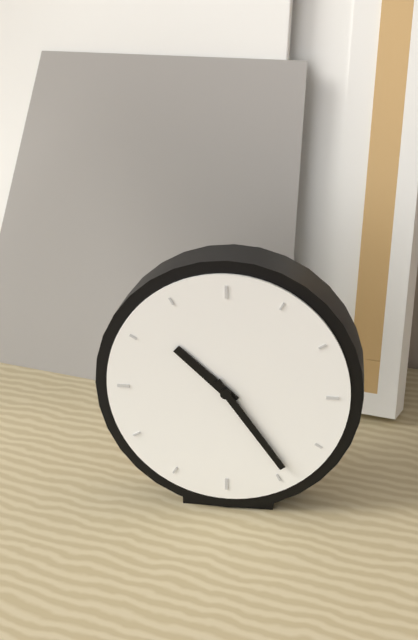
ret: **10:24**
